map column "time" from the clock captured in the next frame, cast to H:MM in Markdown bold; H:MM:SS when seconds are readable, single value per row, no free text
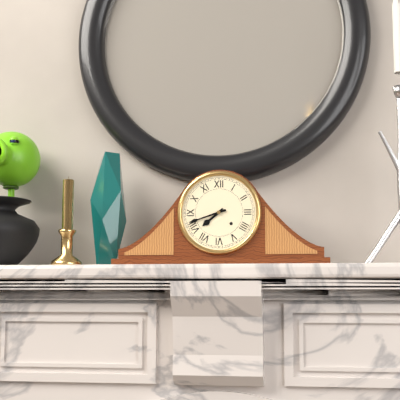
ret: **7:42**
